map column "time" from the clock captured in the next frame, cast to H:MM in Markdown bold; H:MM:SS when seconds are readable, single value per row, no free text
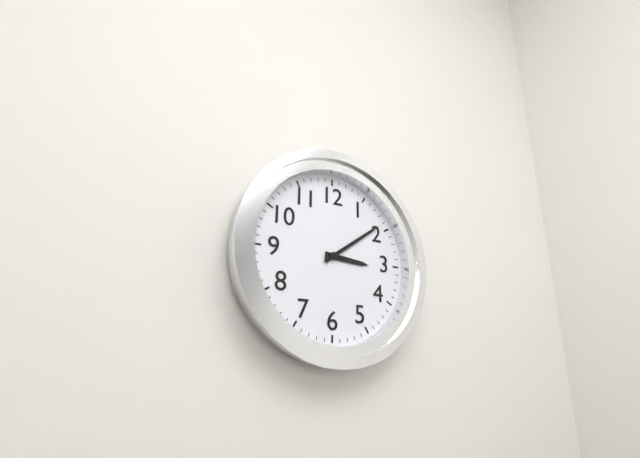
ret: **3:09**
